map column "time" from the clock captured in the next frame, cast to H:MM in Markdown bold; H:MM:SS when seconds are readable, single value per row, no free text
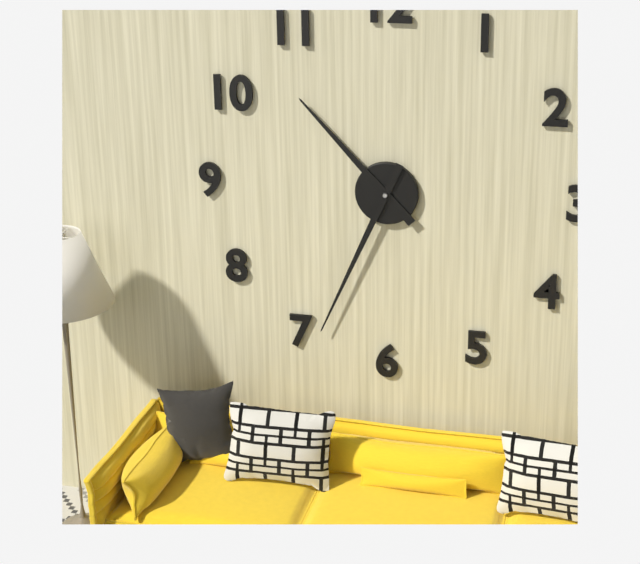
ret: **10:34**
